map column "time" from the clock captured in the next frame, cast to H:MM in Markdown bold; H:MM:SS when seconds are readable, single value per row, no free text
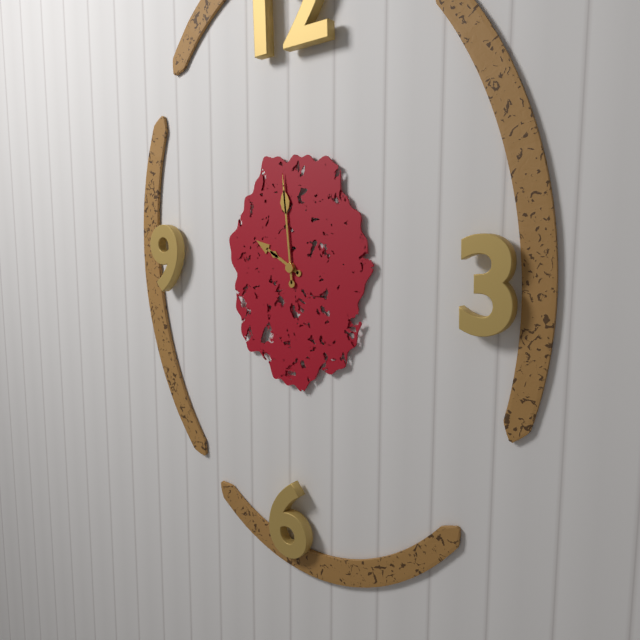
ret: **9:59**
